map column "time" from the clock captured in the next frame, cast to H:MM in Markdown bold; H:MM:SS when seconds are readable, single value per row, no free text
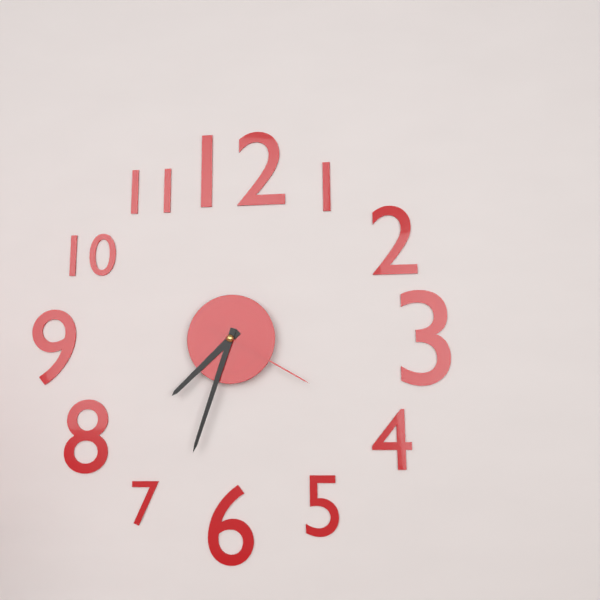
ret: **7:33:20**
